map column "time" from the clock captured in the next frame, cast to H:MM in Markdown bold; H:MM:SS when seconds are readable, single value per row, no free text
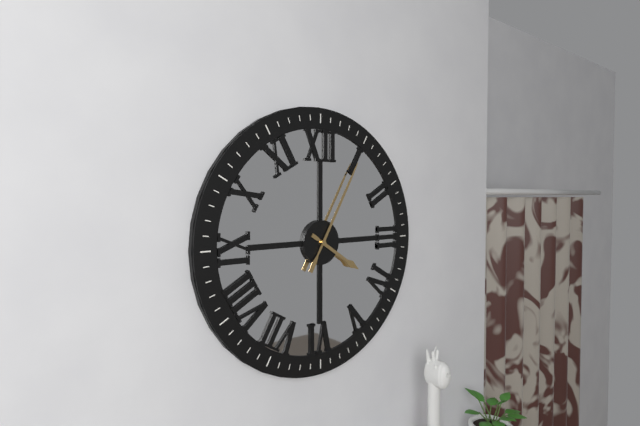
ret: **4:05**
